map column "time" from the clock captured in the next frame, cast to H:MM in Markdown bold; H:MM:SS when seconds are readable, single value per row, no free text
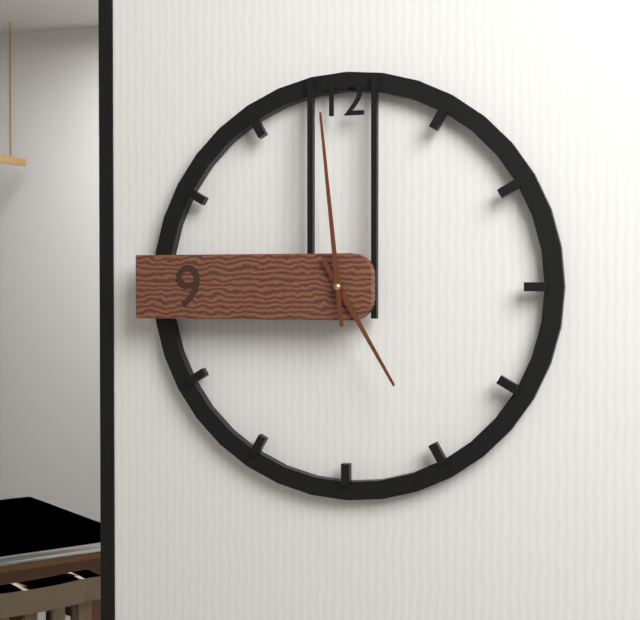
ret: **4:59**
